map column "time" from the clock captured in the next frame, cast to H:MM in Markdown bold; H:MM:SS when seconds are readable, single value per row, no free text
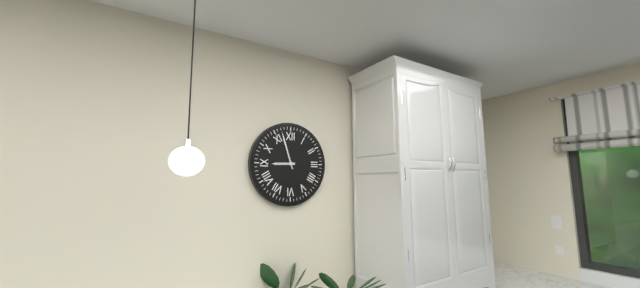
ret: **8:57**
